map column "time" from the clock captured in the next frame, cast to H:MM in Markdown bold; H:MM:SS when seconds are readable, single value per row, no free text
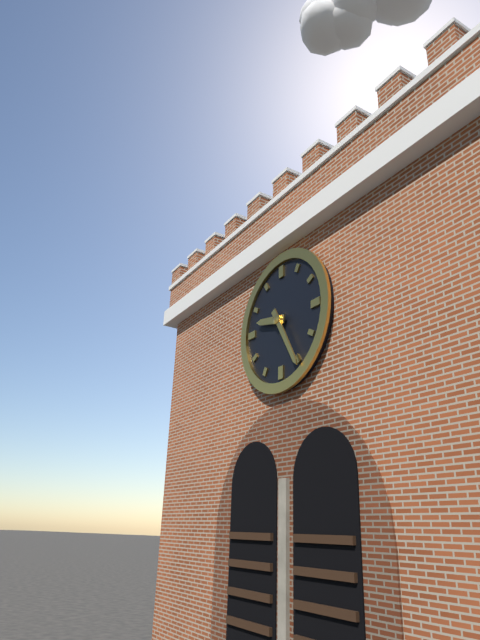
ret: **9:25**
